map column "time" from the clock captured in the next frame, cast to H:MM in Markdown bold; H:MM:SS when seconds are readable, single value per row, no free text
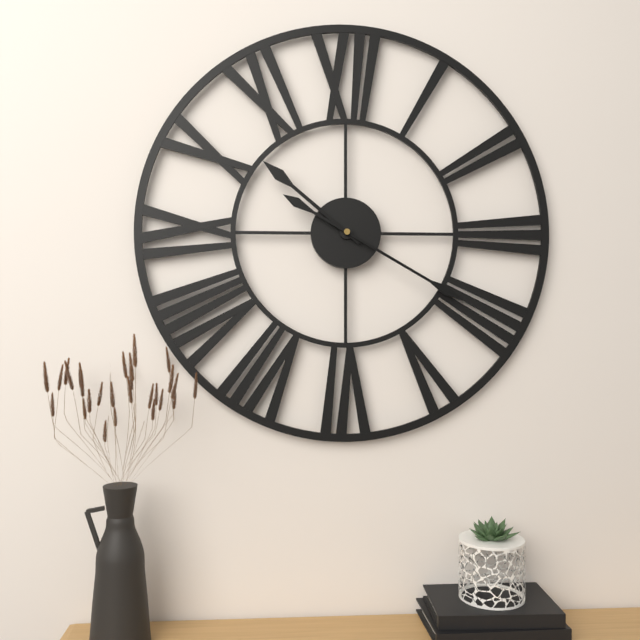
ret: **10:20**
